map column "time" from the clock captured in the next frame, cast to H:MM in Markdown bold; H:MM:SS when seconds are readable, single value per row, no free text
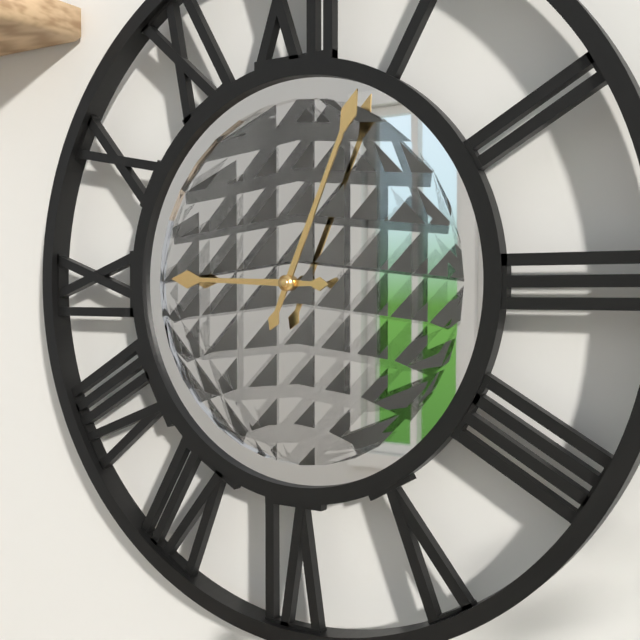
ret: **9:04**
